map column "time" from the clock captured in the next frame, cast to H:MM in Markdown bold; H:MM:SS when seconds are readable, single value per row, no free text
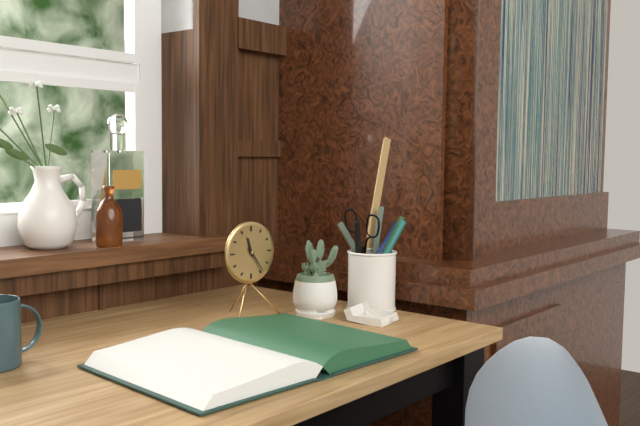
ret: **11:24**
